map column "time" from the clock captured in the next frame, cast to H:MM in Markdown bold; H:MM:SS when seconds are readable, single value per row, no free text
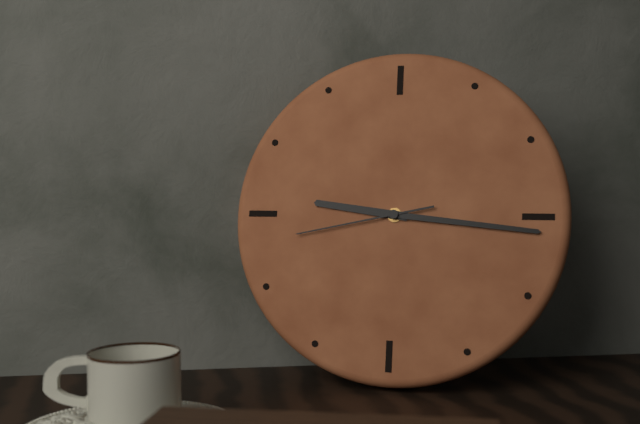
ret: **9:16:43**
